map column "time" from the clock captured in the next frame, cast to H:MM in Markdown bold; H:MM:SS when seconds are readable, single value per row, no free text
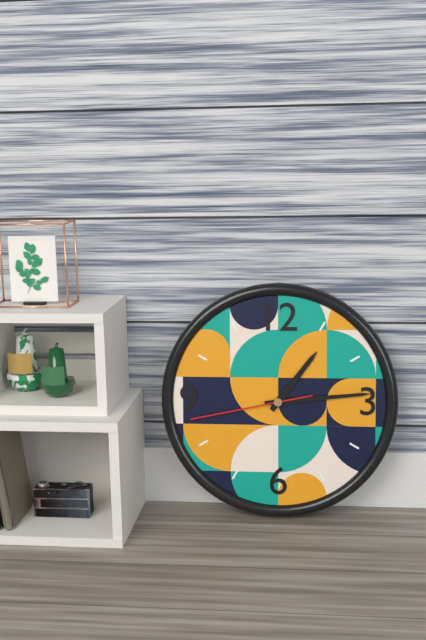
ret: **1:14:43**
